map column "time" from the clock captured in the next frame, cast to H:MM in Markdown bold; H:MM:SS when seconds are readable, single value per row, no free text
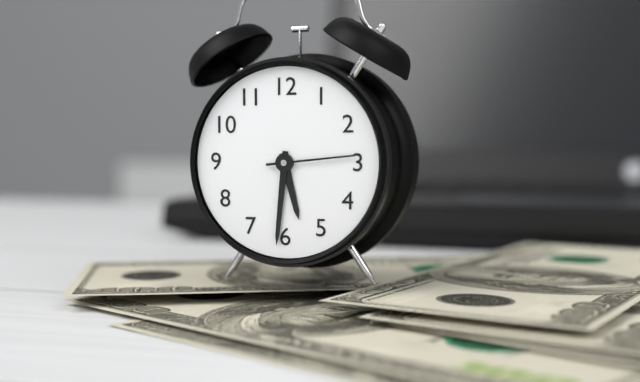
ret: **5:31:14**
